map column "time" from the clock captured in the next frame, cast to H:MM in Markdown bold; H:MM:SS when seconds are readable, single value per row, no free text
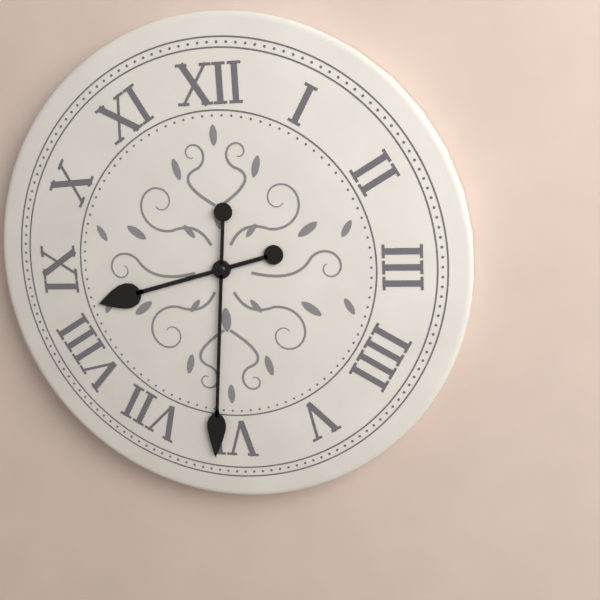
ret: **8:31**
